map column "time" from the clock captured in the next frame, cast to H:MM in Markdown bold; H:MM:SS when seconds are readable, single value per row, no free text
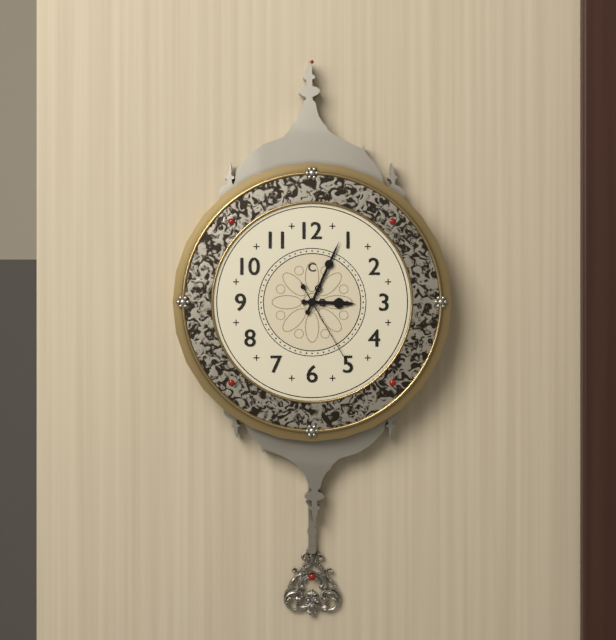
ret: **3:04:25**
